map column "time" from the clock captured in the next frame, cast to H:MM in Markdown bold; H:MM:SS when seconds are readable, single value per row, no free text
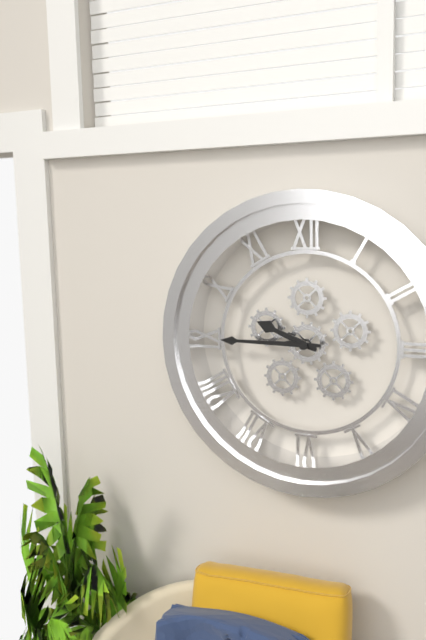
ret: **9:45**
